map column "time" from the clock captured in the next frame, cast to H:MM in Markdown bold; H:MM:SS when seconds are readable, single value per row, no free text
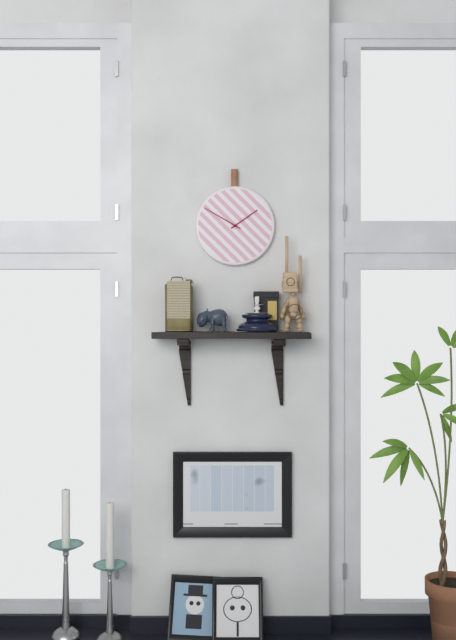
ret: **1:50**
